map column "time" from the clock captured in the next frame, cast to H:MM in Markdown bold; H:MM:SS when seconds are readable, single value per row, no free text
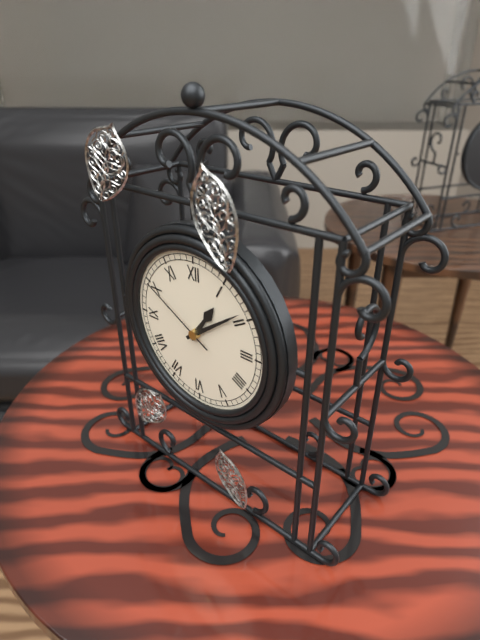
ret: **1:09:50**
